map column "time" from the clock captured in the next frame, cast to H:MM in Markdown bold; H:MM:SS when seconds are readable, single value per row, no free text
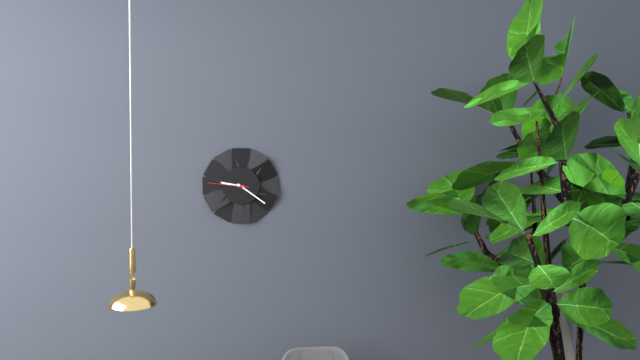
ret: **9:21**
